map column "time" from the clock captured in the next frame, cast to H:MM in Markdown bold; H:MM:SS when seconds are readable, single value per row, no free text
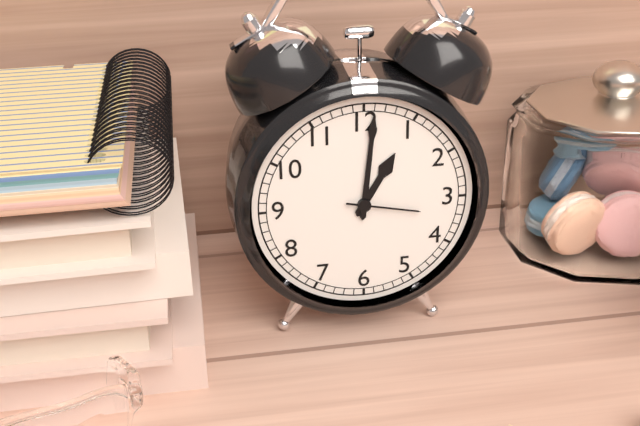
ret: **1:01:17**
